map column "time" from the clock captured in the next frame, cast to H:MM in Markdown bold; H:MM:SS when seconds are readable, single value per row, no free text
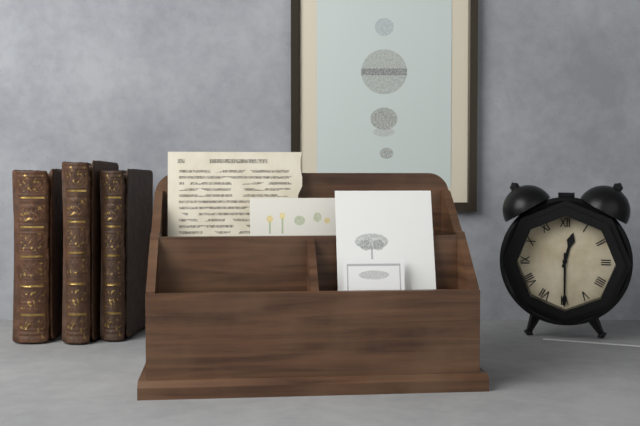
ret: **12:30**
